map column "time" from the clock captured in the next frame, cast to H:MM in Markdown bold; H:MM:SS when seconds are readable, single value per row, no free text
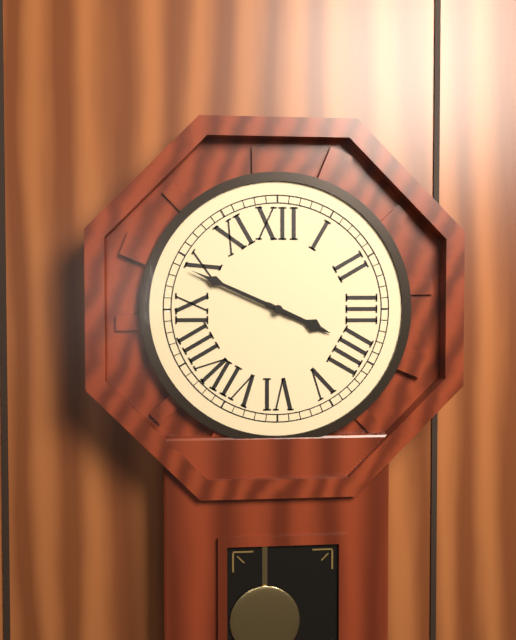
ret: **3:49**
